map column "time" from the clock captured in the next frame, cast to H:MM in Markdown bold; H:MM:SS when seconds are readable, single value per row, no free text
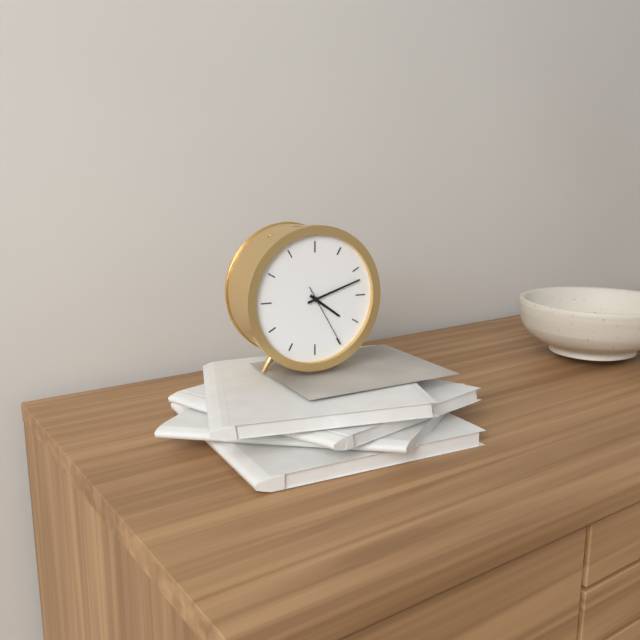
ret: **4:12:25**
